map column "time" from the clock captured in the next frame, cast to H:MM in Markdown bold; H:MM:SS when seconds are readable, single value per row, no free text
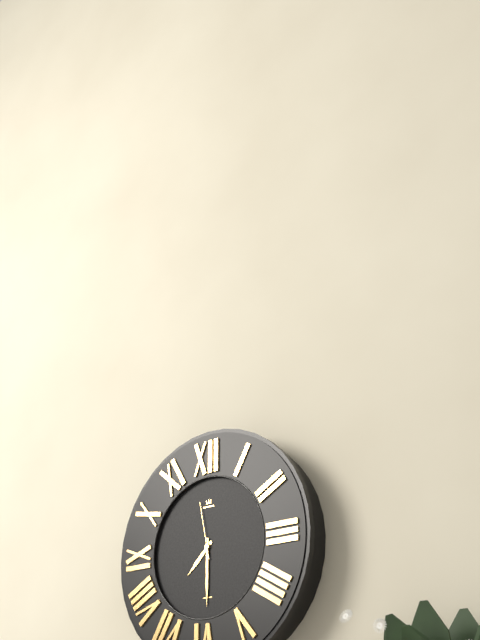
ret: **7:30:58**
